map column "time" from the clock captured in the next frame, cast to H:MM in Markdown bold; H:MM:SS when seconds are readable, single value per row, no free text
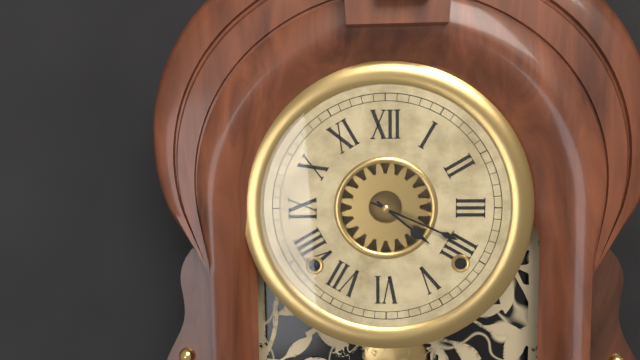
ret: **4:19**
